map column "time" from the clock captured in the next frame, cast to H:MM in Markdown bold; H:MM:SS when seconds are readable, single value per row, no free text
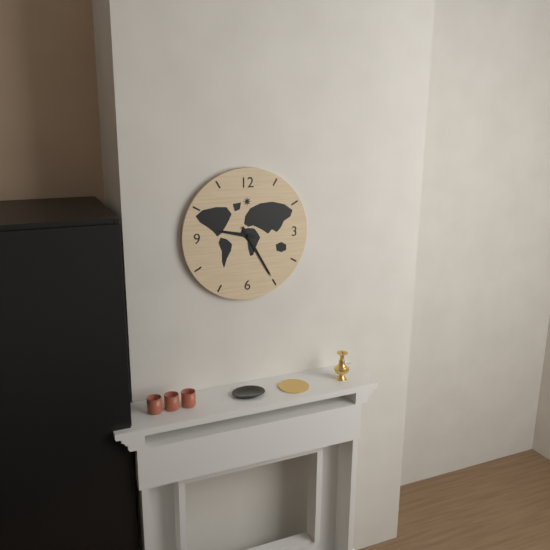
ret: **9:25**
